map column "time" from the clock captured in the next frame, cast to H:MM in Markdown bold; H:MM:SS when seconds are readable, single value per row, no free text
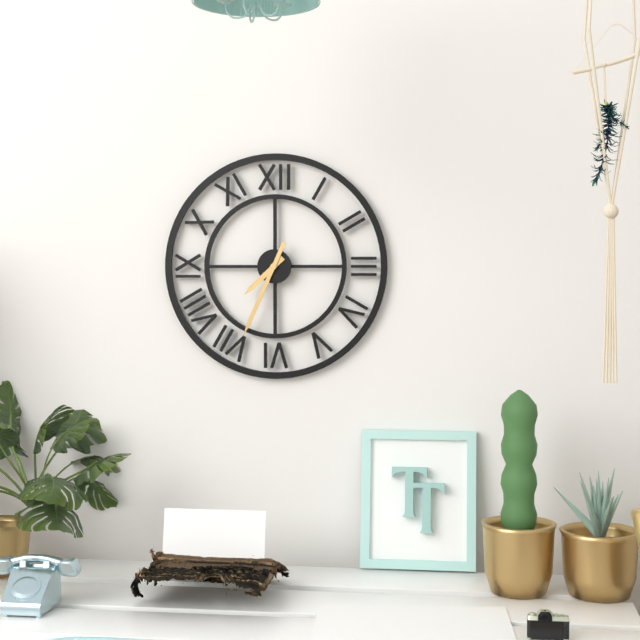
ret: **7:34**
